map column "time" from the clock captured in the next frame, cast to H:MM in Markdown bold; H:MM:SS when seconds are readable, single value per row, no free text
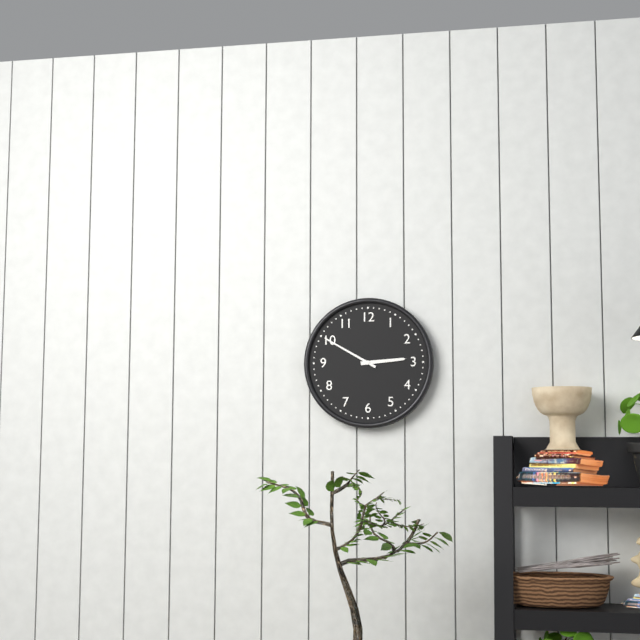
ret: **2:50**
